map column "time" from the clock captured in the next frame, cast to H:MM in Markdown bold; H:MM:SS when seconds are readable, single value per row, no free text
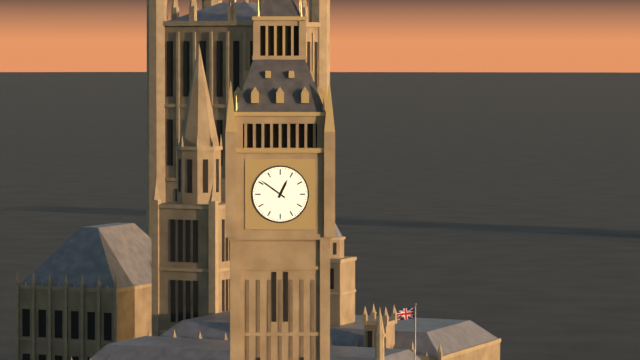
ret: **12:51**
